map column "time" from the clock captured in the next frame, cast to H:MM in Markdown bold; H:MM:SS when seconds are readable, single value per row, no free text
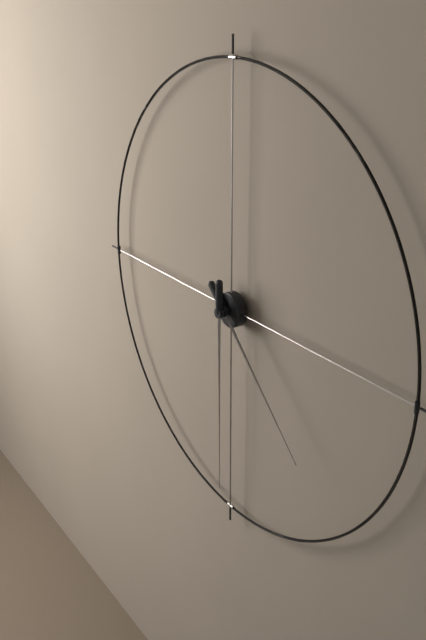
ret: **4:30**
